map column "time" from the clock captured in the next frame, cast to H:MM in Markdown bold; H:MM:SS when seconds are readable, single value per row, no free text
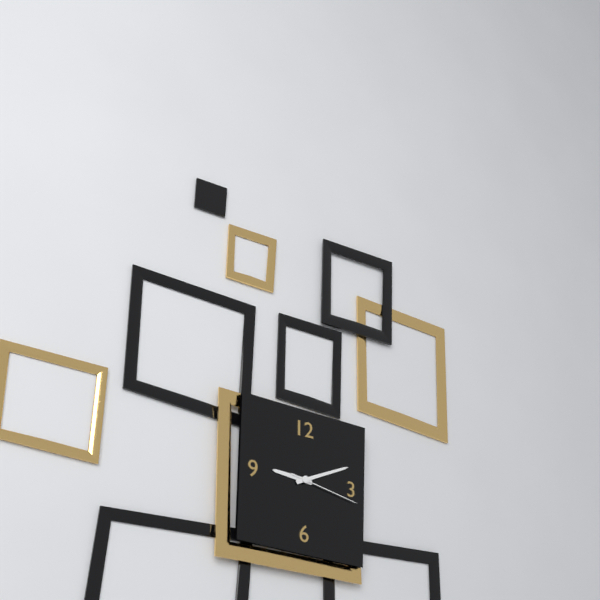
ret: **9:11:17**
